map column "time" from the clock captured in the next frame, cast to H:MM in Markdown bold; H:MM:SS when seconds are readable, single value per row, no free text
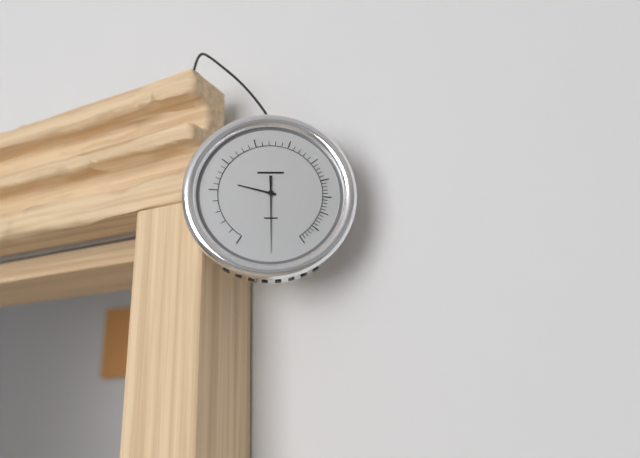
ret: **9:30**
